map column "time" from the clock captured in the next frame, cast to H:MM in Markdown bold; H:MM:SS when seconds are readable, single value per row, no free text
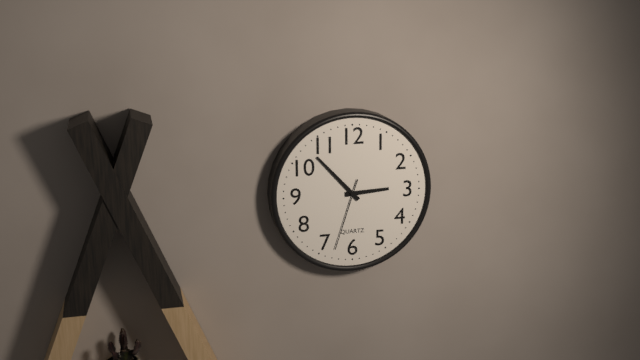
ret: **2:53:33**
